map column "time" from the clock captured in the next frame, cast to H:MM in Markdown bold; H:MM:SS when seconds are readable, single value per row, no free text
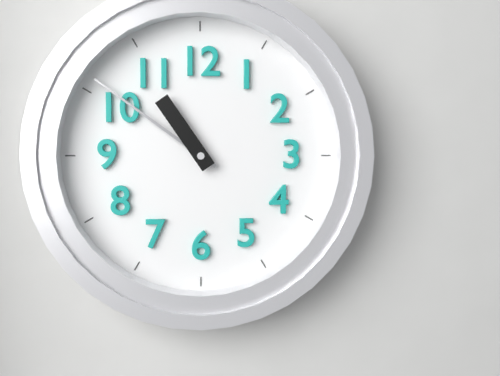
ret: **10:51**
